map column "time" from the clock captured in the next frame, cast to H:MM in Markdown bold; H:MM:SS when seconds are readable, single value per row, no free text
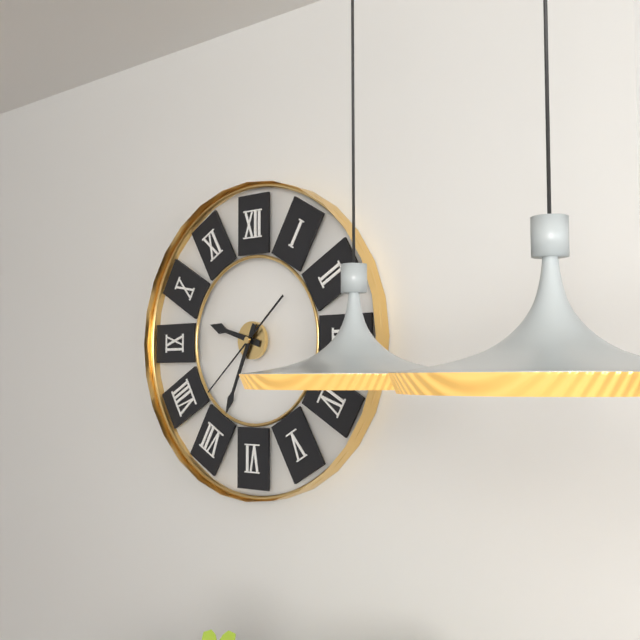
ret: **9:34:38**
